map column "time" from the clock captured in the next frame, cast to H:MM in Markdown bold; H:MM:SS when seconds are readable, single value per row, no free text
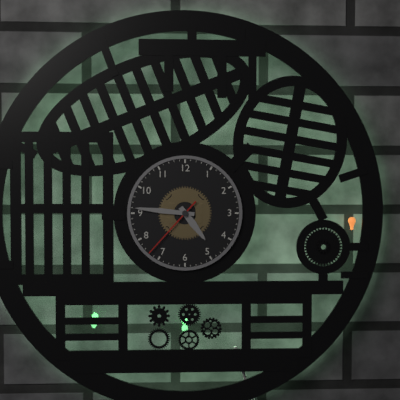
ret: **4:46:37**
